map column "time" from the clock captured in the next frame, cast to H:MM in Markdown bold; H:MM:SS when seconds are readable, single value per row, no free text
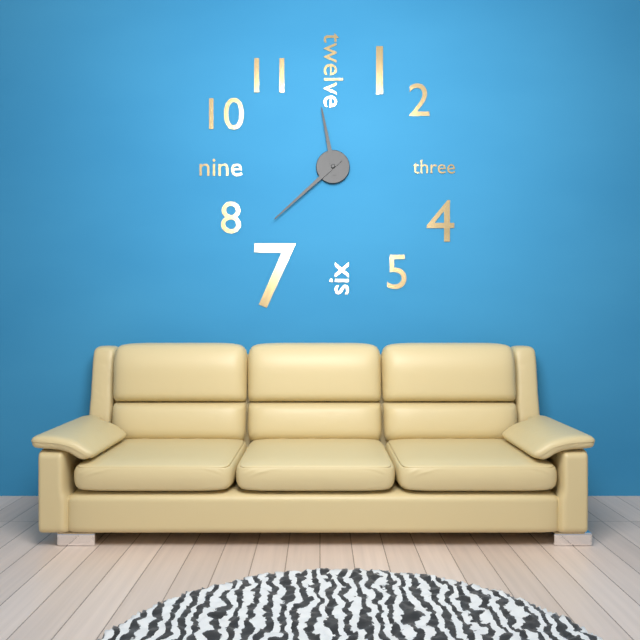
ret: **11:38**
